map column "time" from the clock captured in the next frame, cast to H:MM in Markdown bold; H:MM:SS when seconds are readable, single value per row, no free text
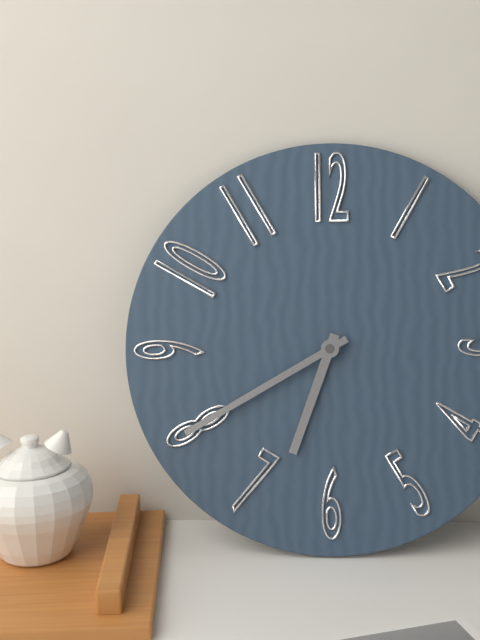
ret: **6:40**
